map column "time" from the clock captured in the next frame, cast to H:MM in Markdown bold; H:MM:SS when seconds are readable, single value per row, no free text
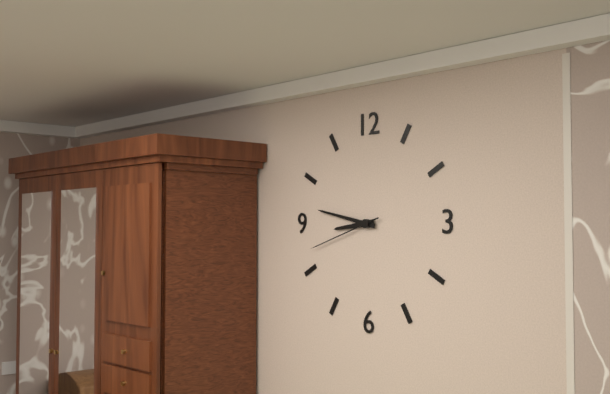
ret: **8:47:42**
